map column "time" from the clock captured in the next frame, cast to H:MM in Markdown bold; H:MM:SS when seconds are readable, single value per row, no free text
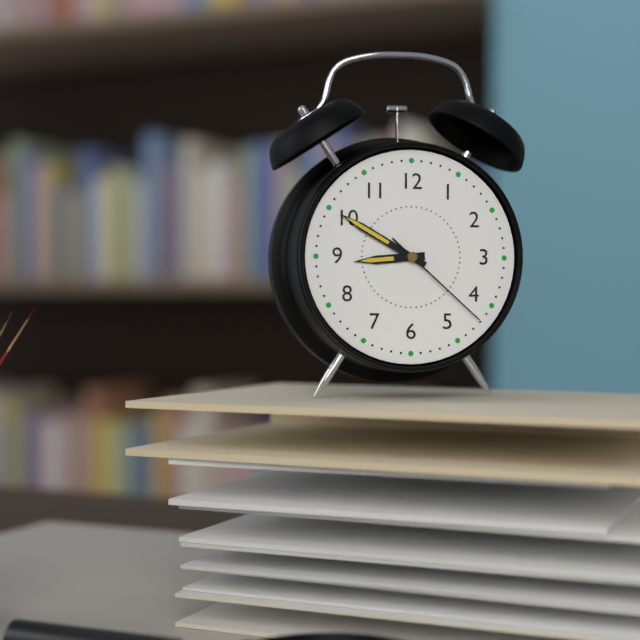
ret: **8:50:22**
